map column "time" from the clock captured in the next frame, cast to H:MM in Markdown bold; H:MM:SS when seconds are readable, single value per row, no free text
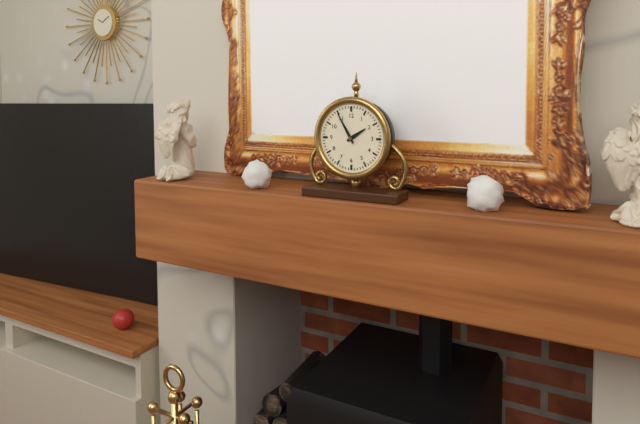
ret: **1:55**
